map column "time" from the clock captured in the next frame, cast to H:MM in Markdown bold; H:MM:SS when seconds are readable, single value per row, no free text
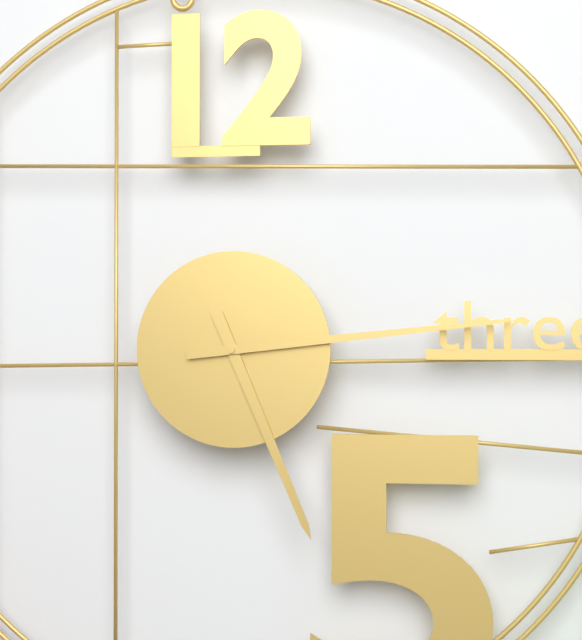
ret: **5:14**
